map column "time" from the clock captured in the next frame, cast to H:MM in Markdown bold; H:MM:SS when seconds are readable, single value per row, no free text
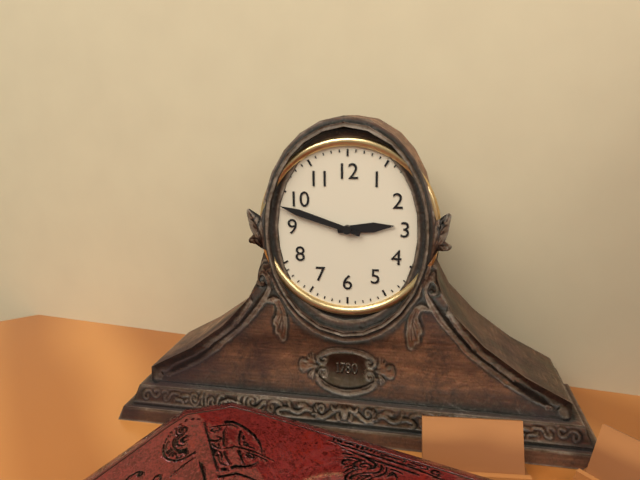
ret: **2:48**
